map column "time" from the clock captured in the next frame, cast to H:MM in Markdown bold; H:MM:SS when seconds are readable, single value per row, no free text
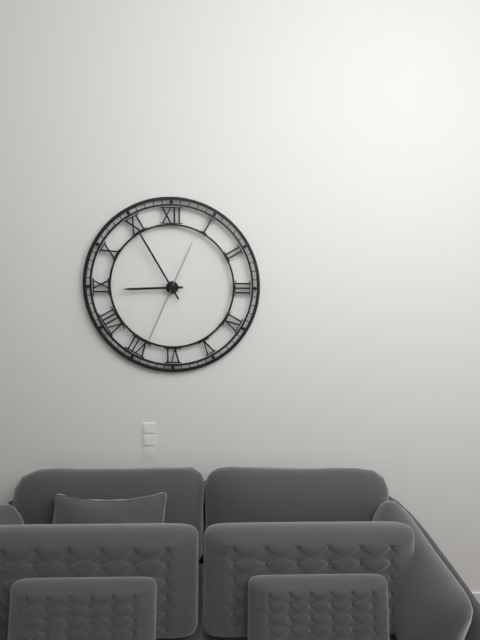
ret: **8:55:34**
